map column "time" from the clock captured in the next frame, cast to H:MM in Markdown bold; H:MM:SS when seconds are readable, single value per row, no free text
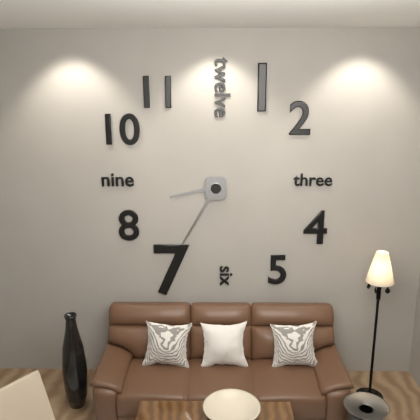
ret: **8:35**
